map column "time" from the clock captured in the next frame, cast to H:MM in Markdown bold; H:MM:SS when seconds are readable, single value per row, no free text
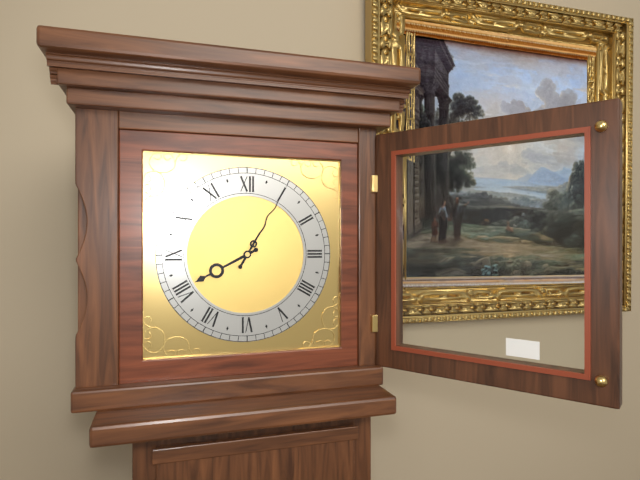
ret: **8:05**
